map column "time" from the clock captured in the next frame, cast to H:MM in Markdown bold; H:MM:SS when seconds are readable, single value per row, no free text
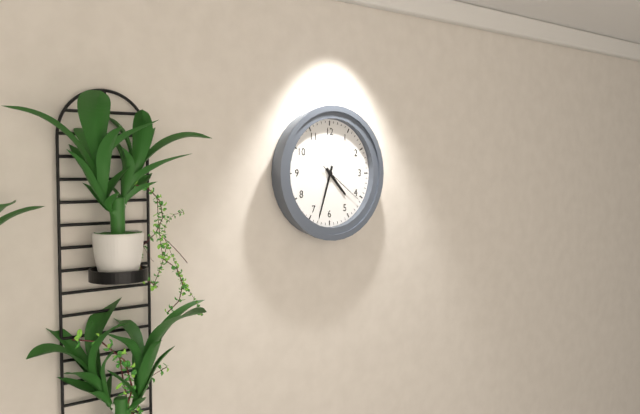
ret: **4:33:21**
